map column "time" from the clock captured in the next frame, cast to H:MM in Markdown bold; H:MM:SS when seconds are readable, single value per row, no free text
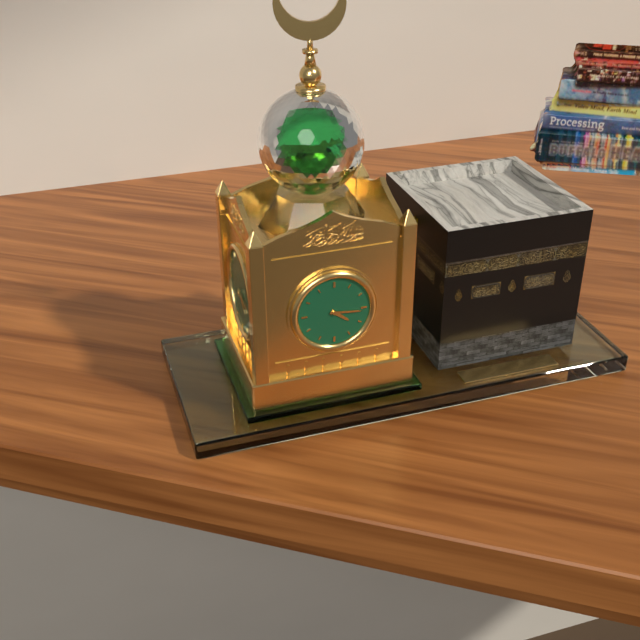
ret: **4:16**
